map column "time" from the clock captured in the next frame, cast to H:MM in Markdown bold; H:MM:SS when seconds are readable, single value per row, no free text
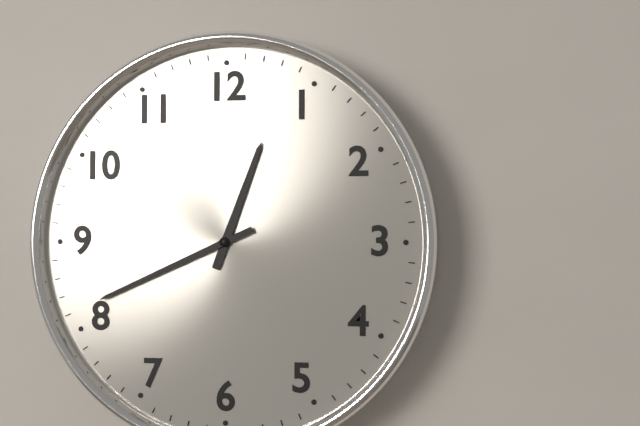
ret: **12:41**
